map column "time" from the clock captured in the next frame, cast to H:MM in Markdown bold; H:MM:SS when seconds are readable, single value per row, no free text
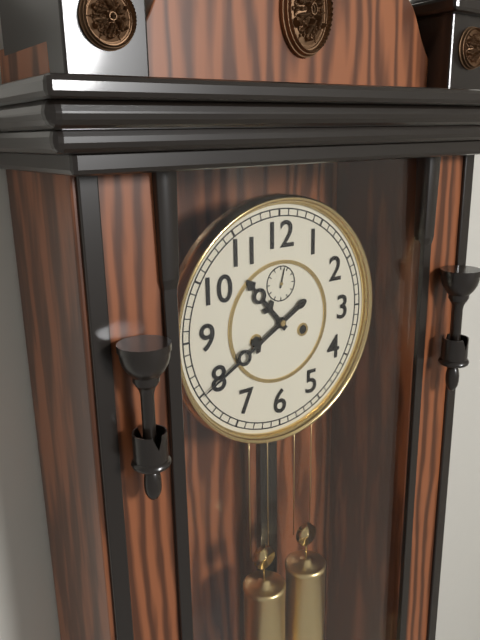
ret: **10:40**
